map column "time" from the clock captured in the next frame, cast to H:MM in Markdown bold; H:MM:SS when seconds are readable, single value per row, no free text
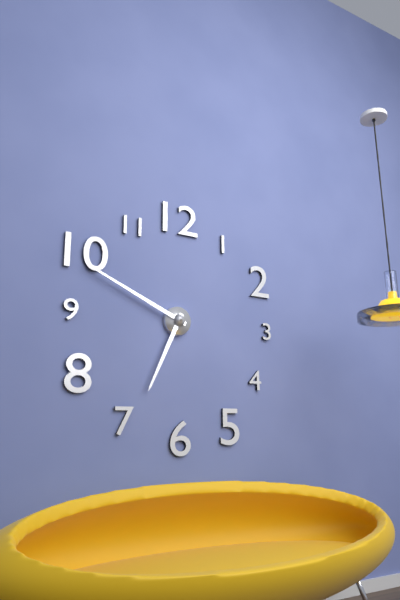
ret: **6:49**
